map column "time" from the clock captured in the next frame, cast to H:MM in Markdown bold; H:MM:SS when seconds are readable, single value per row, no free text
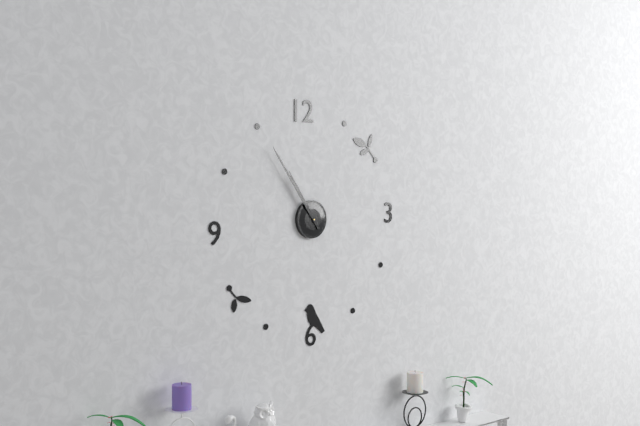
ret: **10:54**
